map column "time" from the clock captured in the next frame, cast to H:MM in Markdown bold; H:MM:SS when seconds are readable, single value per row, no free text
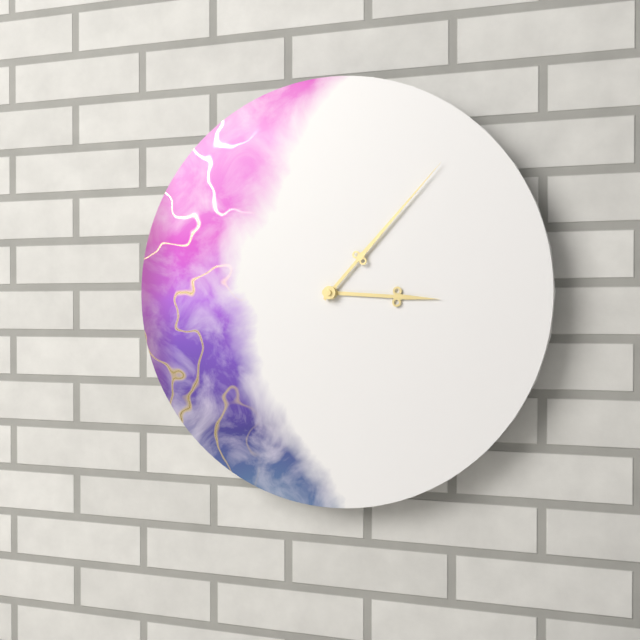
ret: **3:07**
